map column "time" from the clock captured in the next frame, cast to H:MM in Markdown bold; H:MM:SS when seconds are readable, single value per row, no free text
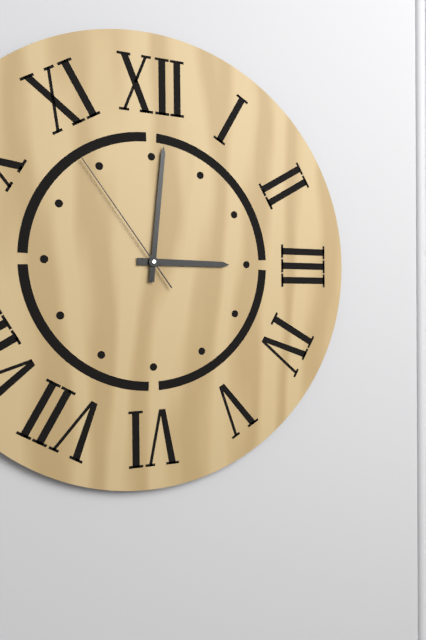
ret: **3:01:54**
